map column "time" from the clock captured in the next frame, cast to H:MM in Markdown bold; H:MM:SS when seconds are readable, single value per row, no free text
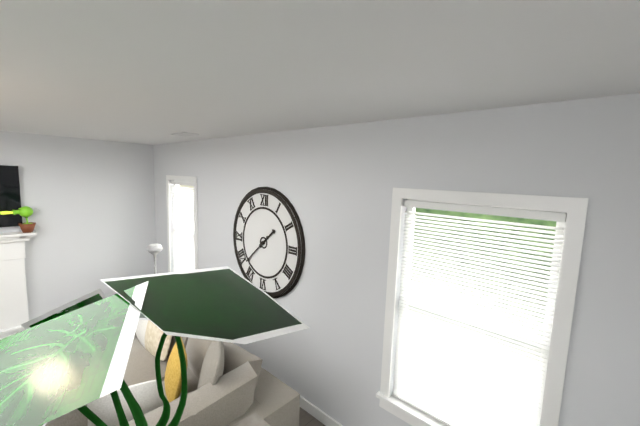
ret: **1:38**
